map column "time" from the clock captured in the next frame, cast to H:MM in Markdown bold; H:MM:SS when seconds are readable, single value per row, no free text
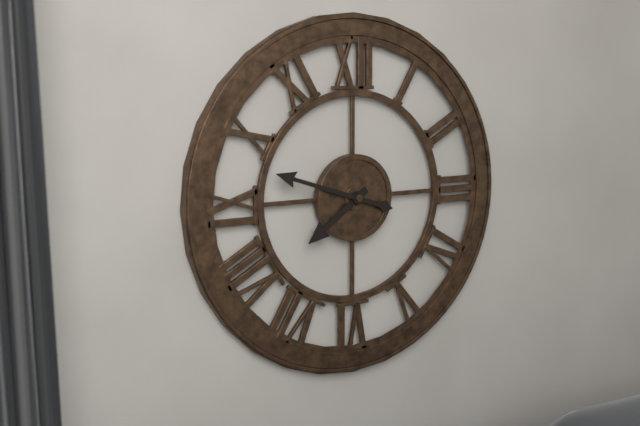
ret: **7:48**
